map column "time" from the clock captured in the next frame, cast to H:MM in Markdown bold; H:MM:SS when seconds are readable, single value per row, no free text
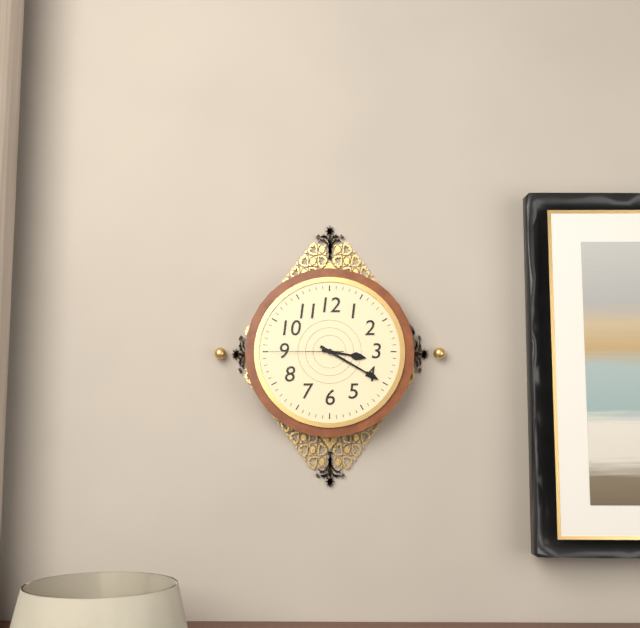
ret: **3:20:45**
